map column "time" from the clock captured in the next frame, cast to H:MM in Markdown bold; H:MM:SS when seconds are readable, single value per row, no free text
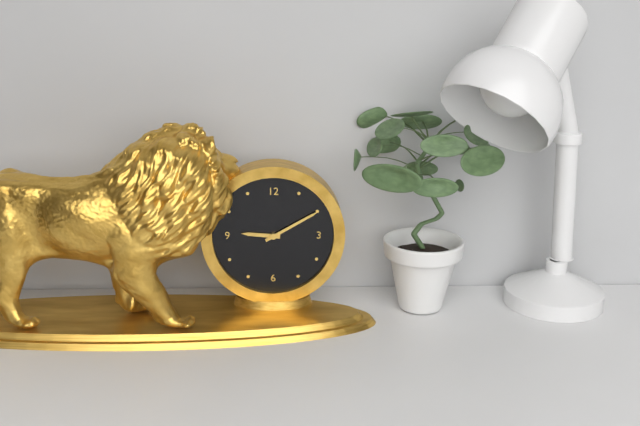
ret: **9:10**
